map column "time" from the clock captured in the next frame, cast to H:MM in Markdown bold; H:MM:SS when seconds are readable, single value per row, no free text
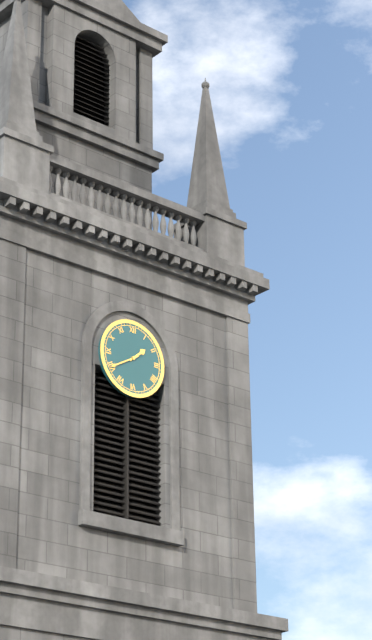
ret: **1:40**
